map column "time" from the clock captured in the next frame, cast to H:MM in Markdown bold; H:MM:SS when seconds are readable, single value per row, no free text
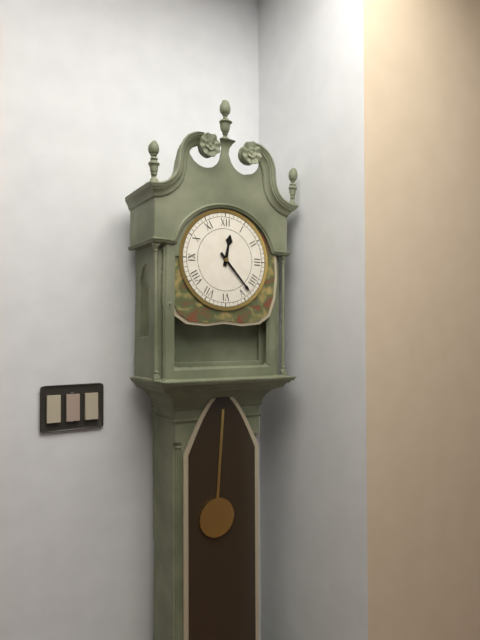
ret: **12:23**
